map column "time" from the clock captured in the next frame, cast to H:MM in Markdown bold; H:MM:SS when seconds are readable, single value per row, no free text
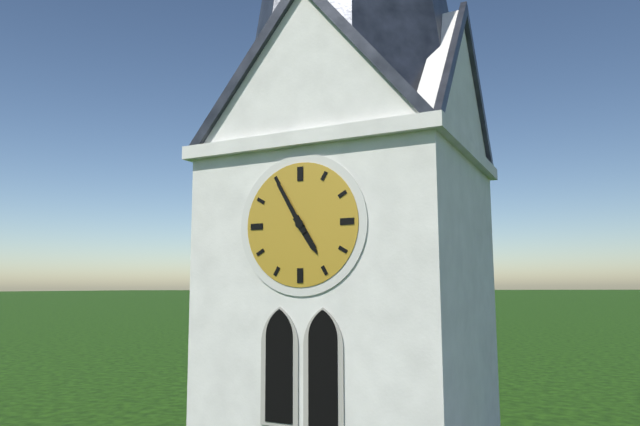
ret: **4:55**
